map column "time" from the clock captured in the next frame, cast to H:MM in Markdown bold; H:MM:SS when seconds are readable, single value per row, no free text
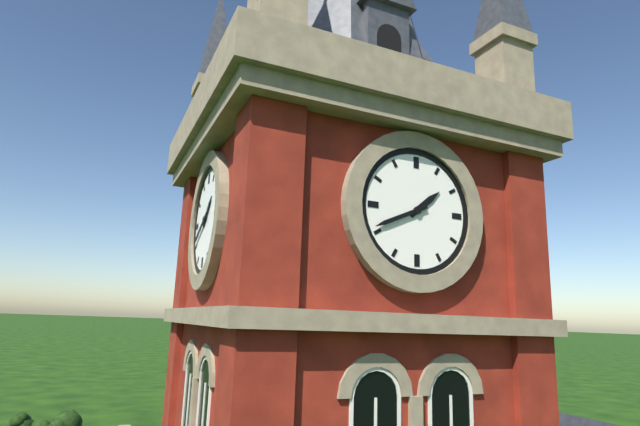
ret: **1:41**
